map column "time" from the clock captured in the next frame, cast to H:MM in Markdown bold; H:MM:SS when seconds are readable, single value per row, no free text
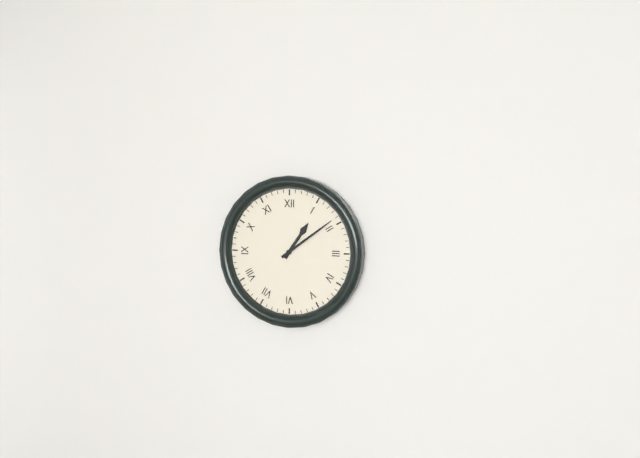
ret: **1:09**
